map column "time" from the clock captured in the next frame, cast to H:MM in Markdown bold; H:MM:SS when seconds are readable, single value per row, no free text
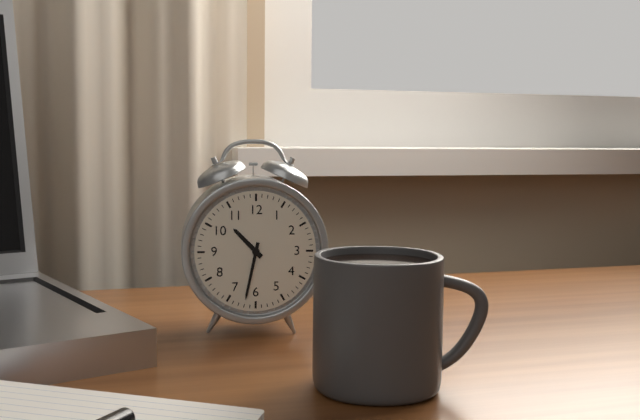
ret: **10:32**
